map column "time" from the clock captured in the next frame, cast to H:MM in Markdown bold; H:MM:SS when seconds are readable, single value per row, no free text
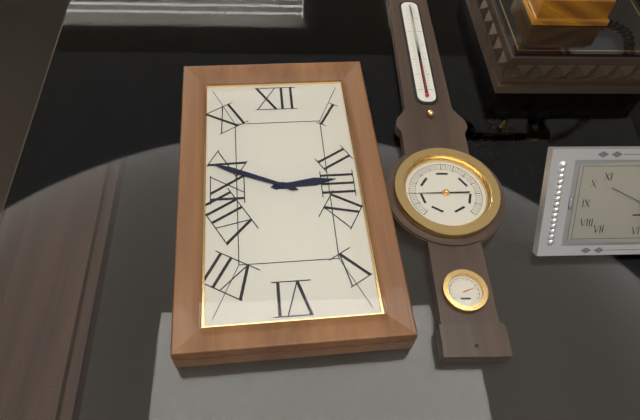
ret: **2:49**
